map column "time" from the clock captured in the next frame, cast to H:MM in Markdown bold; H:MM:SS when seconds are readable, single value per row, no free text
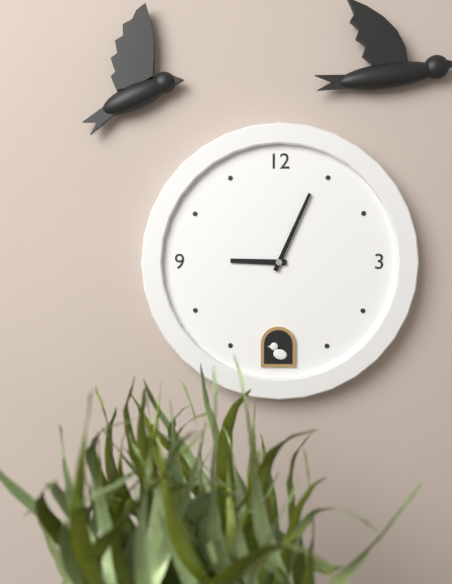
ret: **9:04**
